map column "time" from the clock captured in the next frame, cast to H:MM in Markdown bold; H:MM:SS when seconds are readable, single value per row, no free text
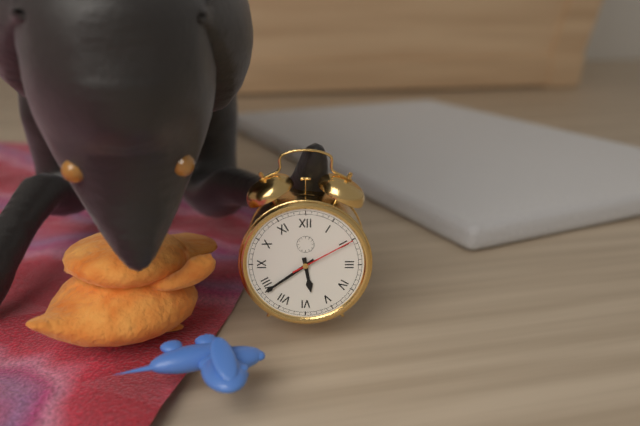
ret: **5:39:10**
